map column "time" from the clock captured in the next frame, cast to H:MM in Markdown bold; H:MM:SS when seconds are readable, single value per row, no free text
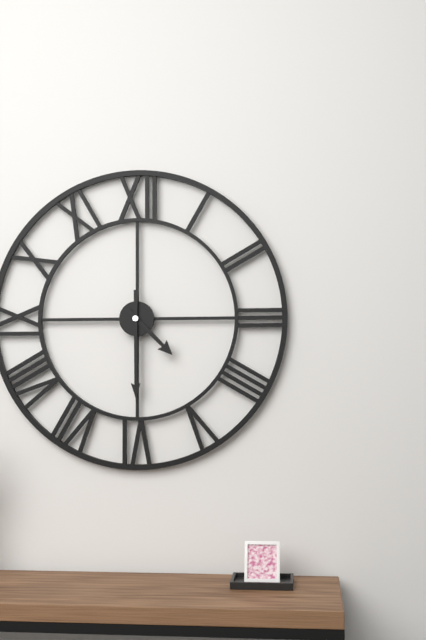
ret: **4:30**
